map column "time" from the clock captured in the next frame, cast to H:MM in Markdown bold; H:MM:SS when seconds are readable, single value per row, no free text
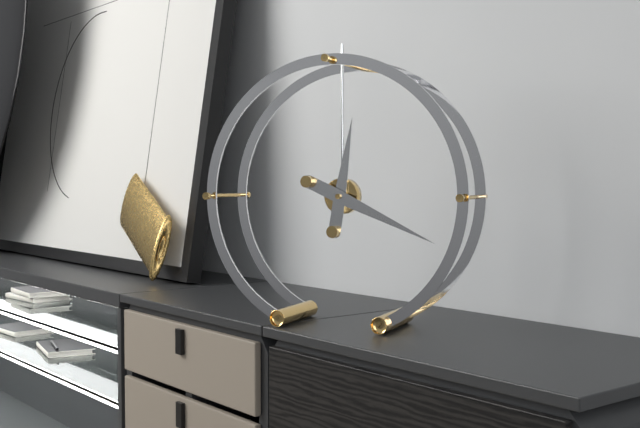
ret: **12:19**
